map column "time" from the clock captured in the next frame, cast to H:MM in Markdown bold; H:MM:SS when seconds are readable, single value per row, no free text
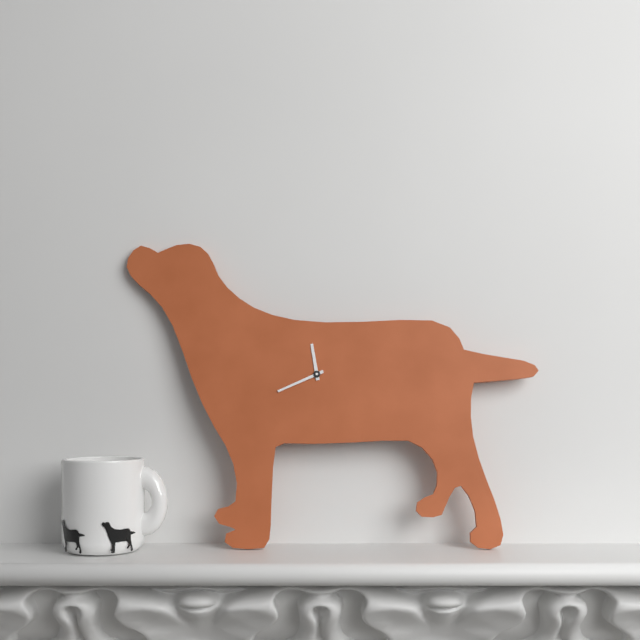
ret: **11:41**
